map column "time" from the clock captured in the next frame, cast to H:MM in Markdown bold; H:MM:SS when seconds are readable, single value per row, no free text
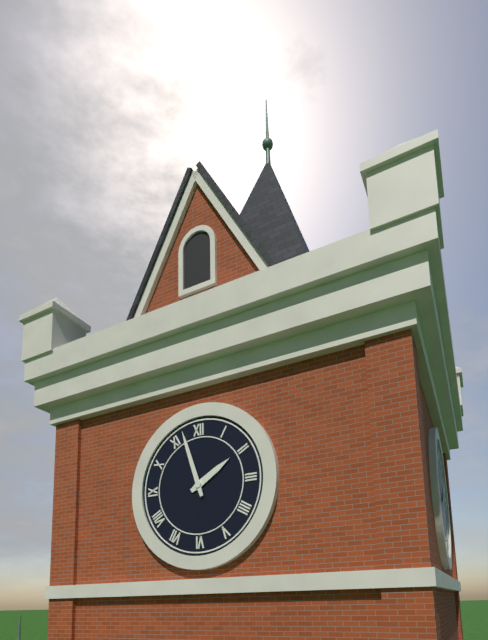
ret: **1:57**
